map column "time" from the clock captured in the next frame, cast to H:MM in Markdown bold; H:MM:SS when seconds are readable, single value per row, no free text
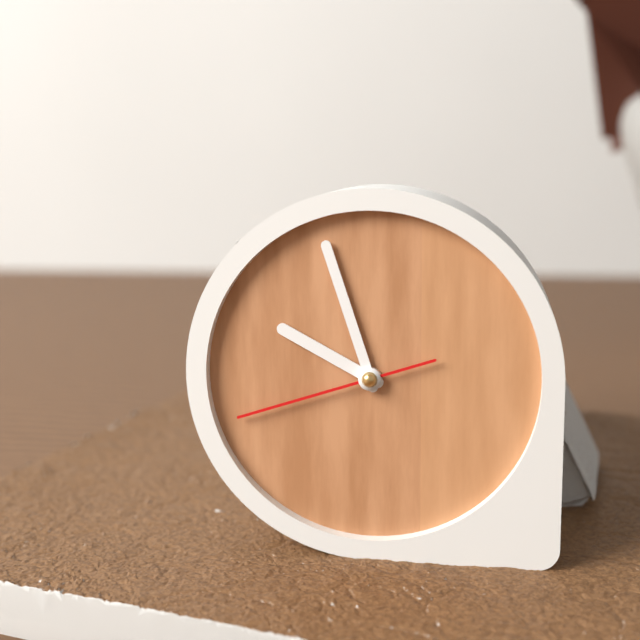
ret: **9:57:42**
